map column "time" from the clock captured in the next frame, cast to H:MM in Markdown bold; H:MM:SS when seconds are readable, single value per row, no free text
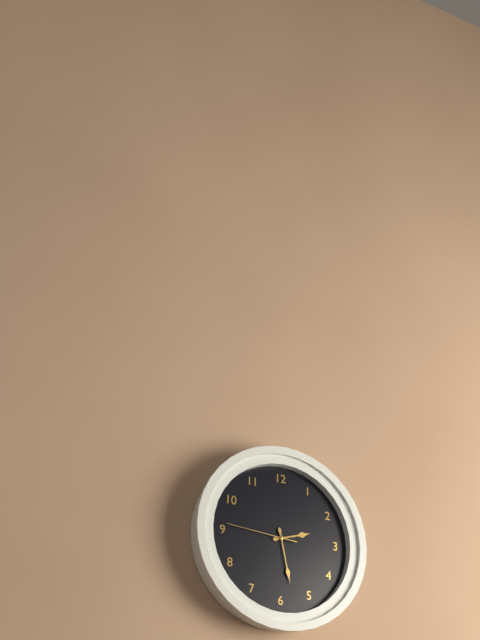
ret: **2:28:46**
